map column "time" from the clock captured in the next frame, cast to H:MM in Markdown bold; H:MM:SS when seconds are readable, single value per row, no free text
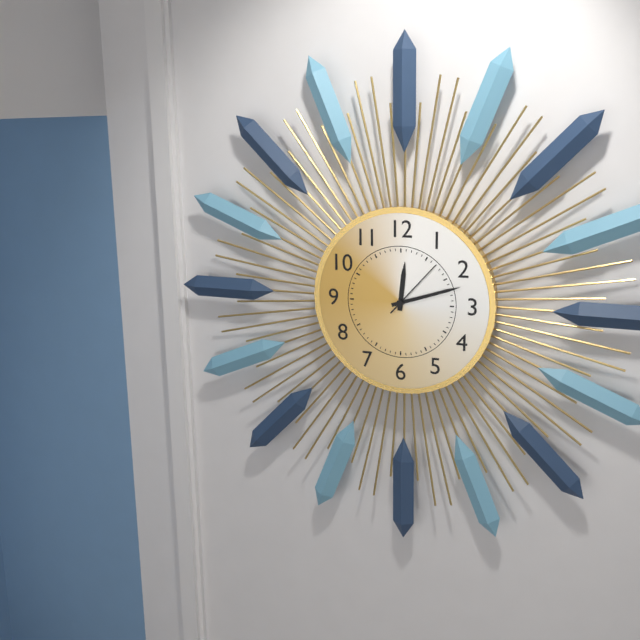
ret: **12:12:07**
